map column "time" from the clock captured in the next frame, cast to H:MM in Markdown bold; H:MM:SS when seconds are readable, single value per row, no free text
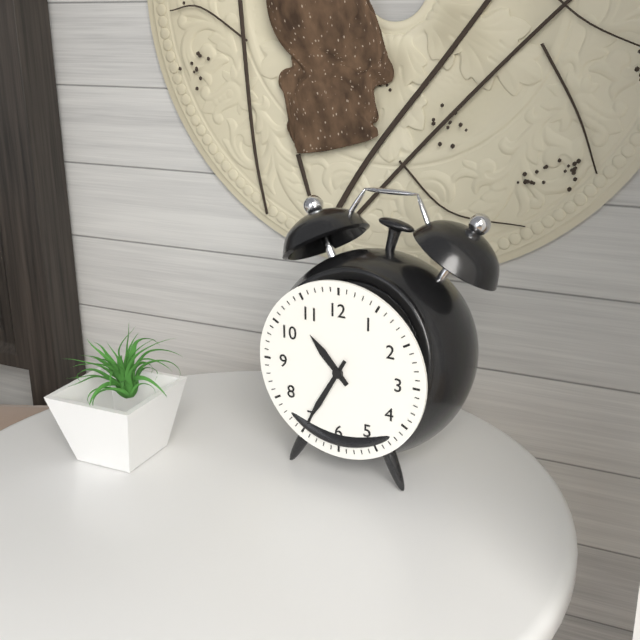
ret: **10:35**
